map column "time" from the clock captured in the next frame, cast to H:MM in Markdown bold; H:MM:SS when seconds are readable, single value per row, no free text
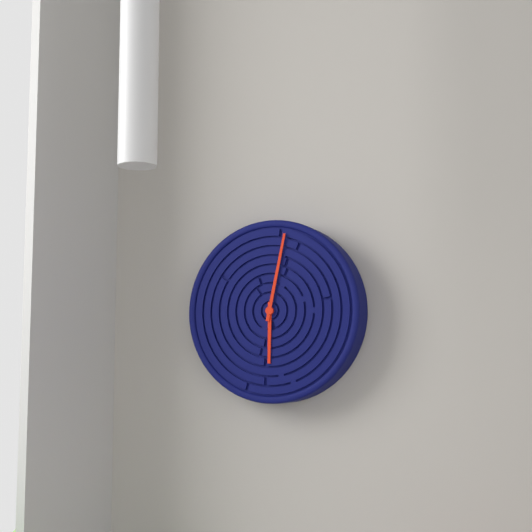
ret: **6:02**
